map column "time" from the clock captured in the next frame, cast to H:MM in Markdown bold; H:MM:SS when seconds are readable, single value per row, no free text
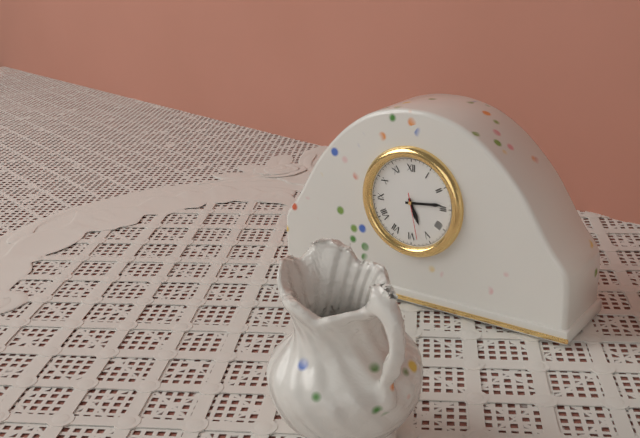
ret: **5:14**
